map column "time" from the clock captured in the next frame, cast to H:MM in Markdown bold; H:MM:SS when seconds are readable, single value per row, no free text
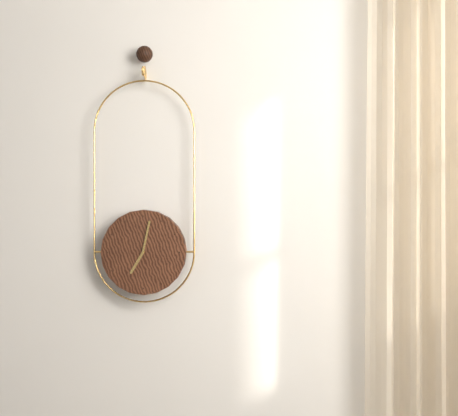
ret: **7:02**
